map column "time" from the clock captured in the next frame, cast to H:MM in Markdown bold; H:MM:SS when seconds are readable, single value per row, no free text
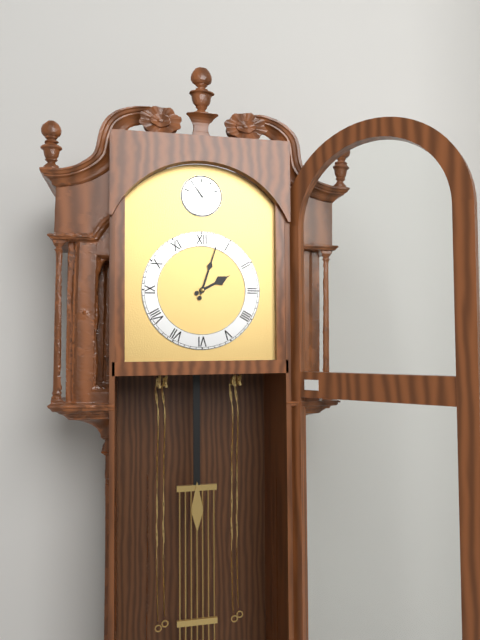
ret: **2:03**
